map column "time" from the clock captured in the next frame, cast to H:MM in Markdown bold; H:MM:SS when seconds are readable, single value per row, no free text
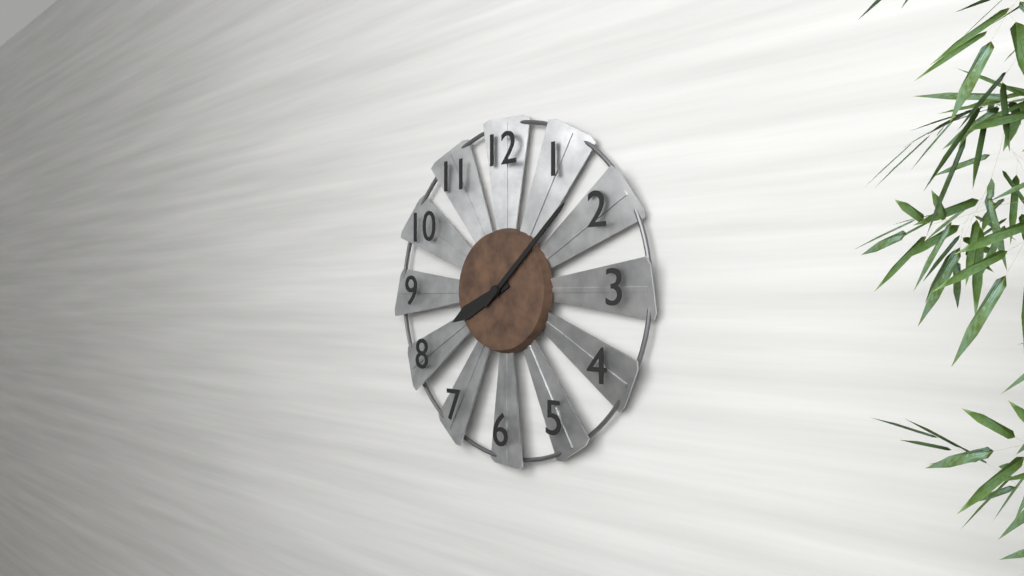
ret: **8:08**
